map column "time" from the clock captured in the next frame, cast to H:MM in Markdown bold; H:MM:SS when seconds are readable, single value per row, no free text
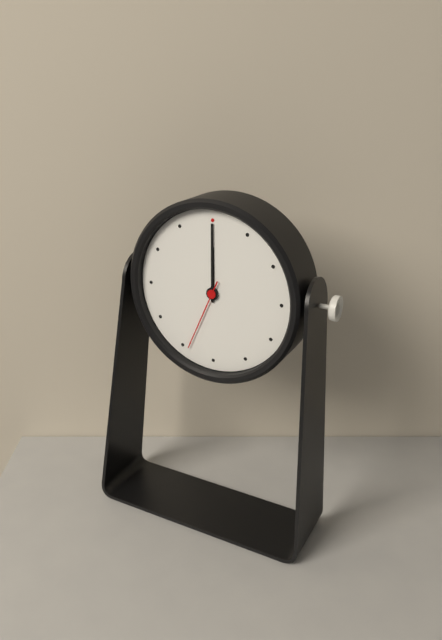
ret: **12:00:34**
